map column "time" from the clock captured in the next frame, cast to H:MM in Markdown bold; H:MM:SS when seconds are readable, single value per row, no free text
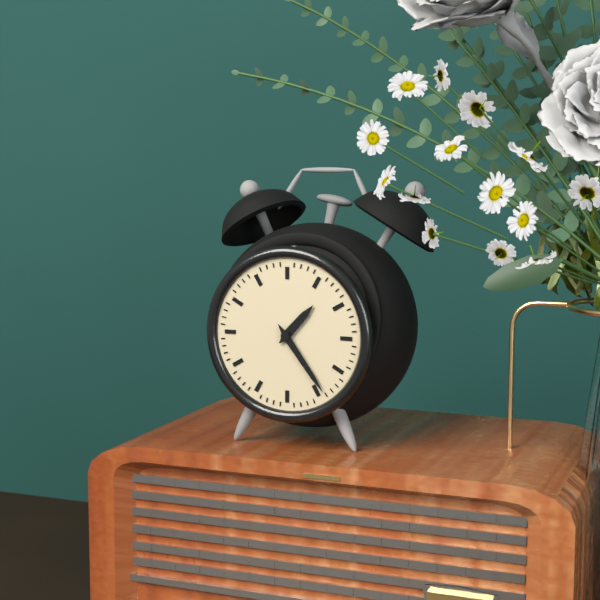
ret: **1:24**
